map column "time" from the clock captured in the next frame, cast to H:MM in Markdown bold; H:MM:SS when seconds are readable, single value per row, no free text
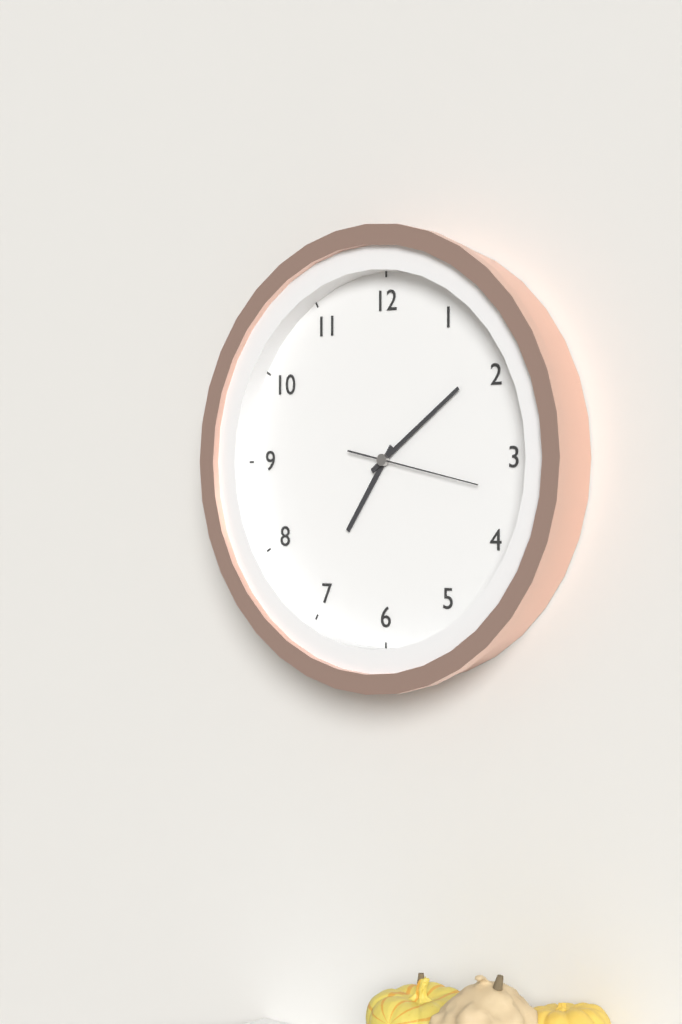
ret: **7:09:17**
